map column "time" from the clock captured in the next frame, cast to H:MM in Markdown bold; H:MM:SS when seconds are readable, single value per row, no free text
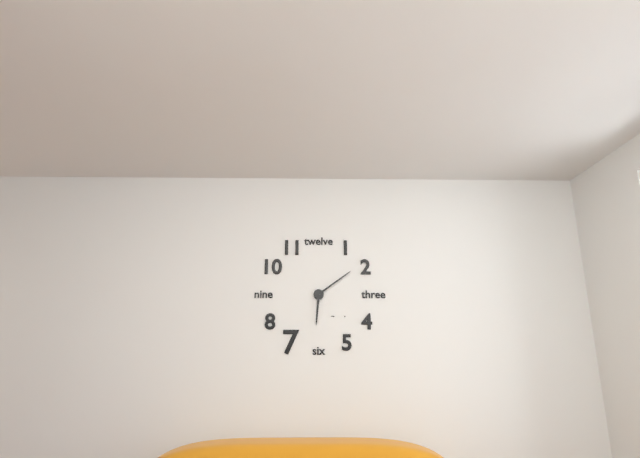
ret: **6:09**
